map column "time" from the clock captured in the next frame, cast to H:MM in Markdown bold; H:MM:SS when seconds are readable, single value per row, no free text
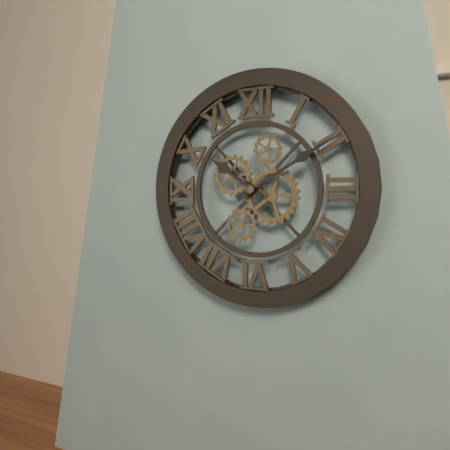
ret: **10:10**
